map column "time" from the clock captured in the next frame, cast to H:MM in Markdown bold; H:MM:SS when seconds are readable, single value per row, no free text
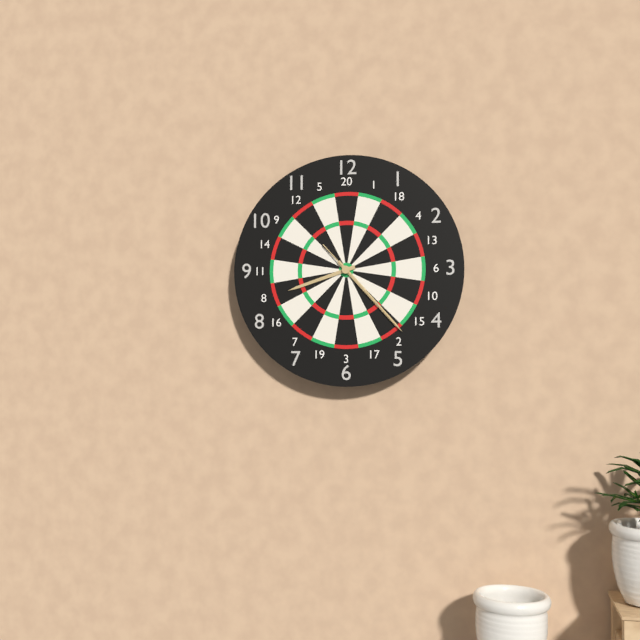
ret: **8:23:23**
